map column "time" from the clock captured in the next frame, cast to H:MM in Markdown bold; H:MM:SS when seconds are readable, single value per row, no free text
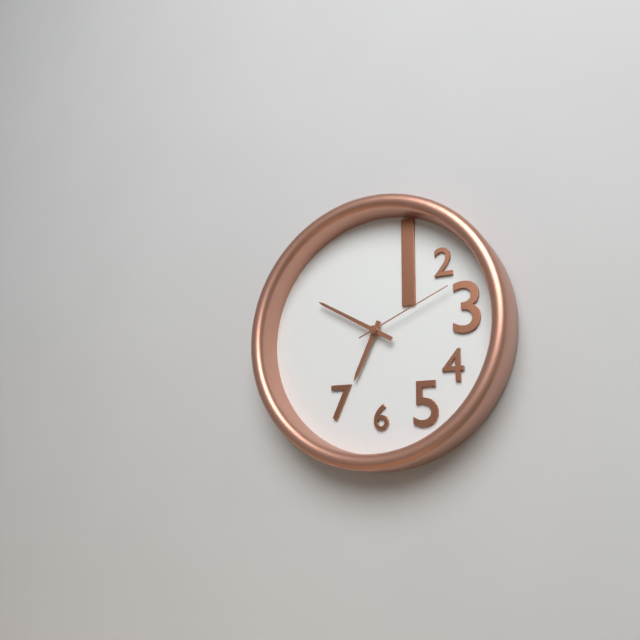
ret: **6:50:11**
